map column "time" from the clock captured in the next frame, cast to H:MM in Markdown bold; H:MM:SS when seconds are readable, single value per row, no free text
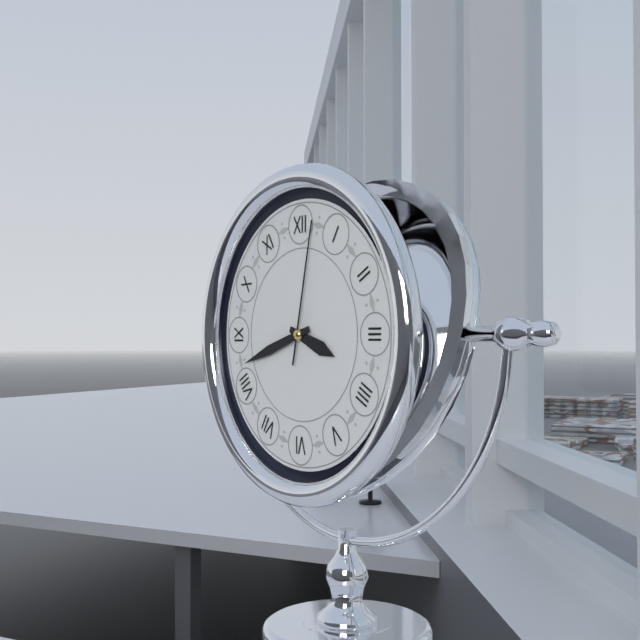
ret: **3:42:02**
